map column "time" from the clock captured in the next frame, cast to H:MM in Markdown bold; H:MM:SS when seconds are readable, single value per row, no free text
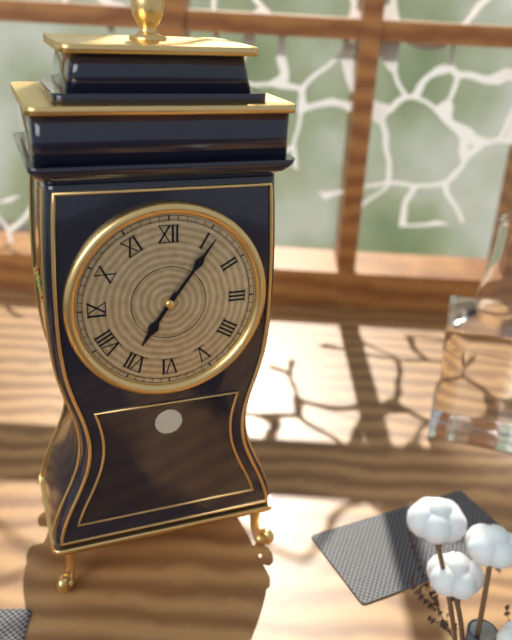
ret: **7:06**
